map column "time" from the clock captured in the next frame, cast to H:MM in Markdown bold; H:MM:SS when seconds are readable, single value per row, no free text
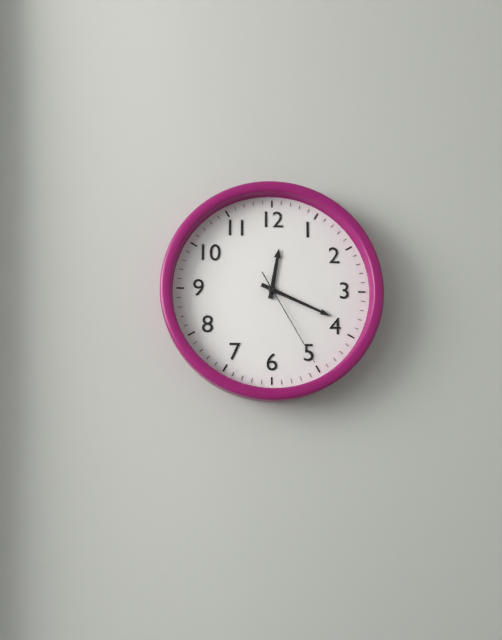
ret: **12:19:25**
